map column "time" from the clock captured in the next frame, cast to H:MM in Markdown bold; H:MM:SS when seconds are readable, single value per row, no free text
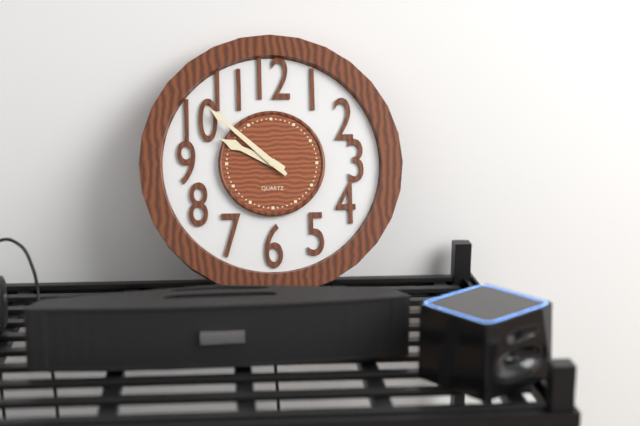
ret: **9:52**
